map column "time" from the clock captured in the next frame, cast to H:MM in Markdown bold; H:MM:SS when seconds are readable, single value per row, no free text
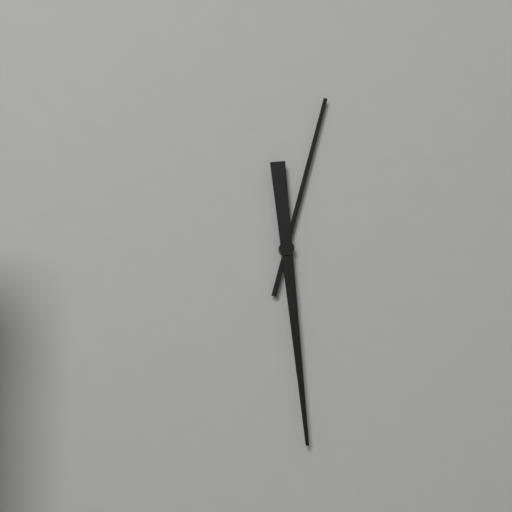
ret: **12:29**
